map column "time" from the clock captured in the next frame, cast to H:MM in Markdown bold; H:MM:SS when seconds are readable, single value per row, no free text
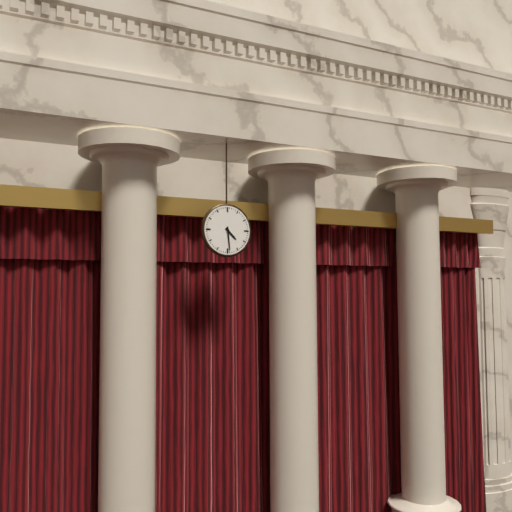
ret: **4:29**
